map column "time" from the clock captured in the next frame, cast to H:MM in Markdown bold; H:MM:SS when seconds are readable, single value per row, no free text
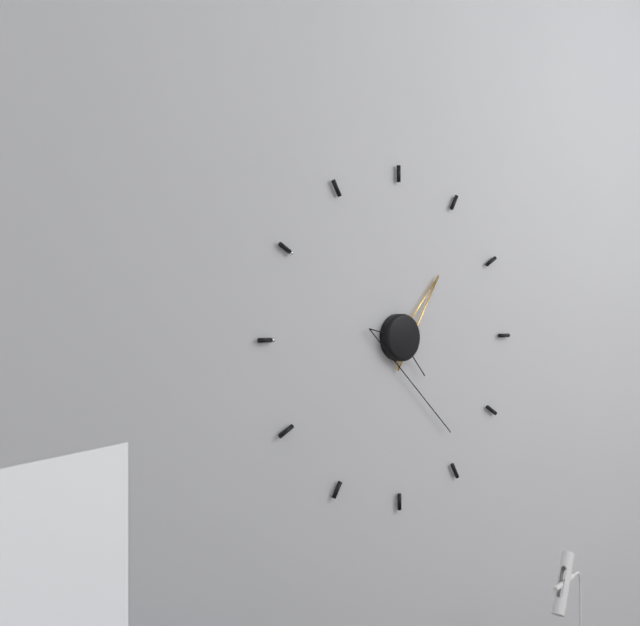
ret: **1:24**
